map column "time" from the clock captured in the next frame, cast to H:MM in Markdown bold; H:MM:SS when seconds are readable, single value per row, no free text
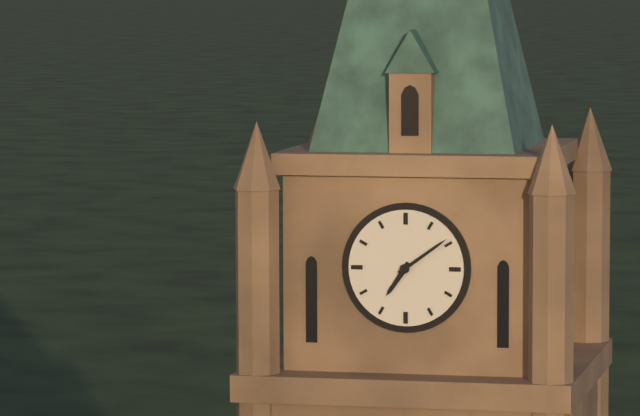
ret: **7:09**
